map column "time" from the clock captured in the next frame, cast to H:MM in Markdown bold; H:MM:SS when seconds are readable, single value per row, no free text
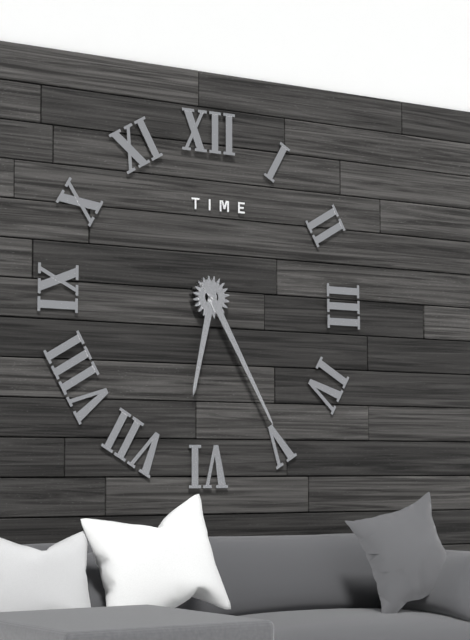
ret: **6:25**
